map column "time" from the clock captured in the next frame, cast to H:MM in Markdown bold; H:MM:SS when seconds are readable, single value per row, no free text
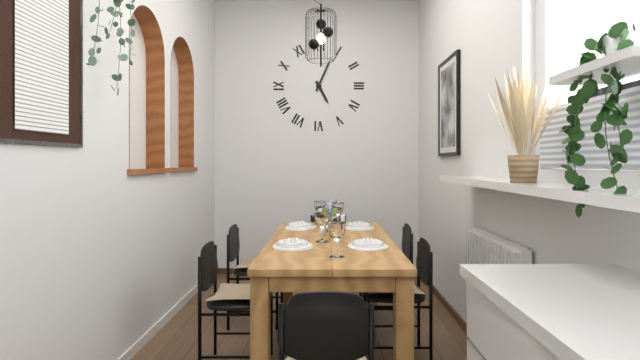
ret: **5:04**
